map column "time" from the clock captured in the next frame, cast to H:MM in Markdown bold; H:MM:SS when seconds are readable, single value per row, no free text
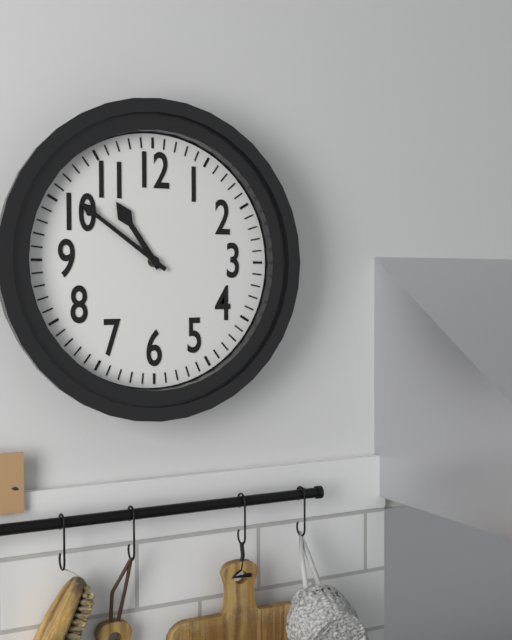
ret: **10:51**
